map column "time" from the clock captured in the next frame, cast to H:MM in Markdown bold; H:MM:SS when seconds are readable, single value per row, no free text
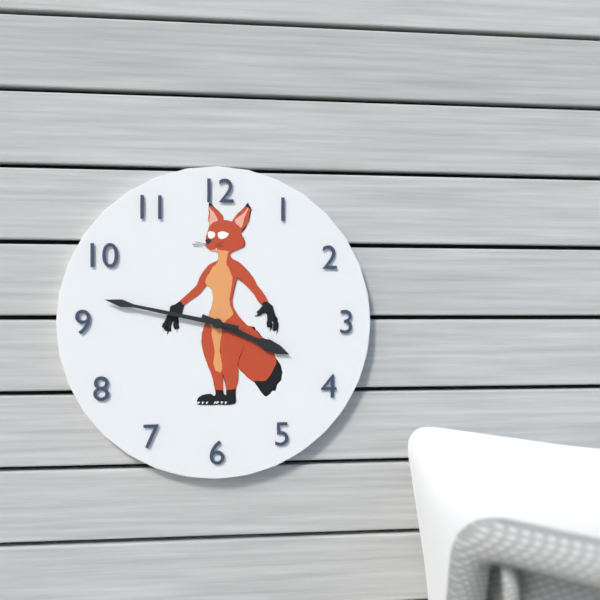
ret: **3:47**
